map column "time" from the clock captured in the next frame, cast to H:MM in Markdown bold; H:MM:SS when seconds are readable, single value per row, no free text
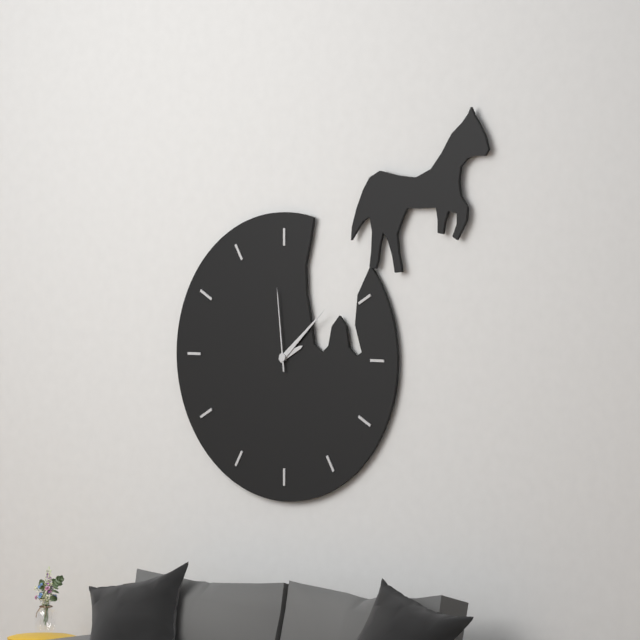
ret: **2:08:59**
